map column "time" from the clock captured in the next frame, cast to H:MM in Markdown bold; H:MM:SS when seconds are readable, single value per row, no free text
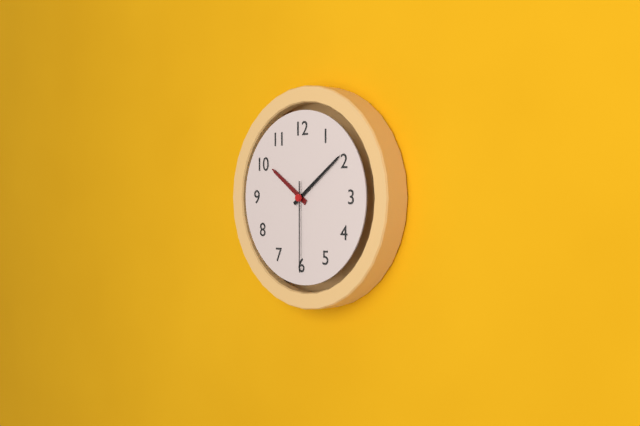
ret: **10:09:30**
